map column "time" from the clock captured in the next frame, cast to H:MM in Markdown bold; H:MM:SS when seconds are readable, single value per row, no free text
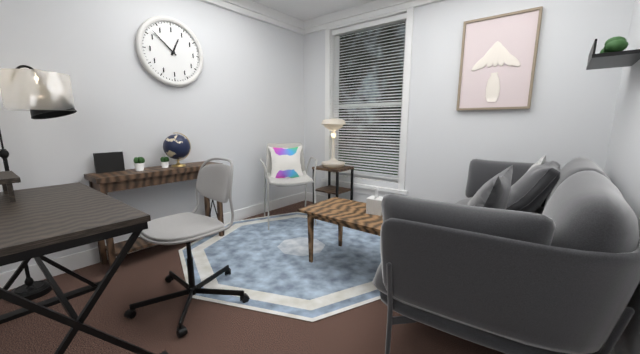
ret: **12:52**
